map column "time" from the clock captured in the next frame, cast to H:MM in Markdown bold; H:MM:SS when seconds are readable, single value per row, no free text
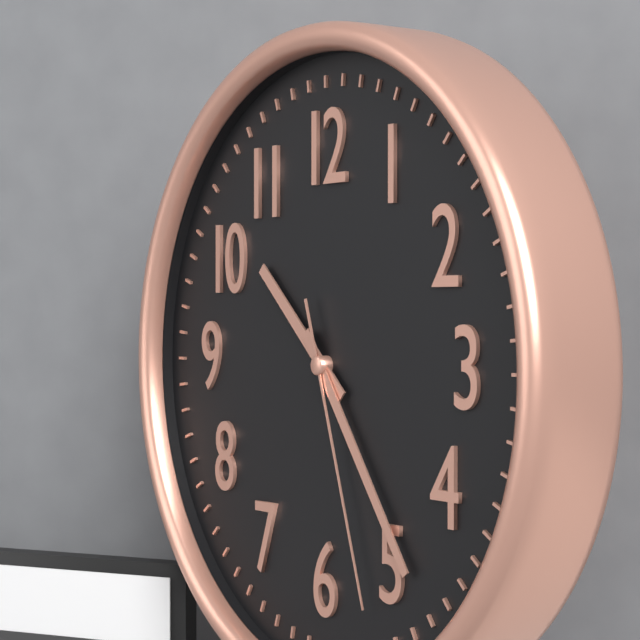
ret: **10:24:27**
